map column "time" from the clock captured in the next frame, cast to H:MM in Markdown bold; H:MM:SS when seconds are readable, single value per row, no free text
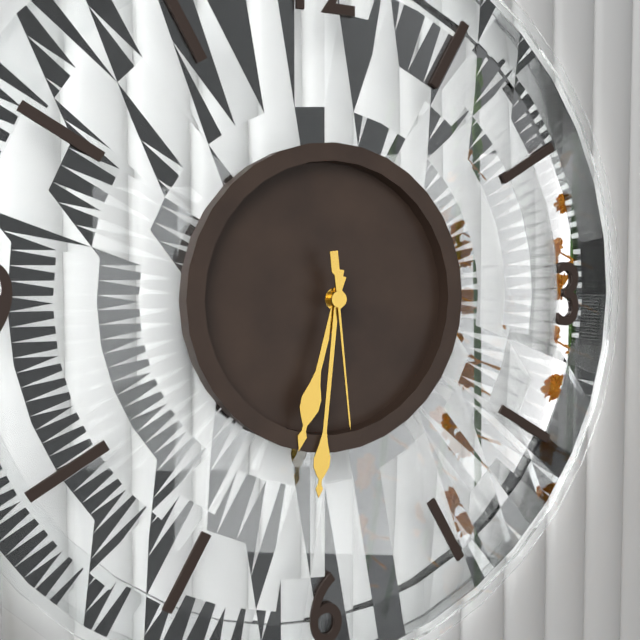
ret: **6:31:29**
